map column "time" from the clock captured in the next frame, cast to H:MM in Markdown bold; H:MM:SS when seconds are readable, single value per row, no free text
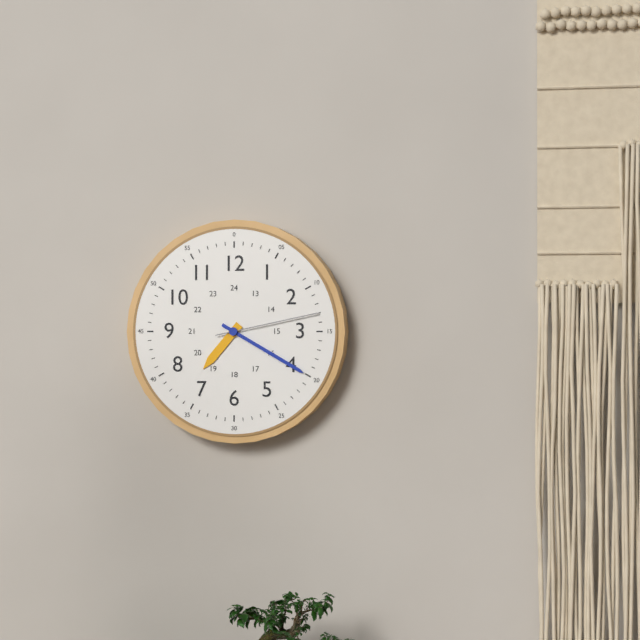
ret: **7:20:13**
